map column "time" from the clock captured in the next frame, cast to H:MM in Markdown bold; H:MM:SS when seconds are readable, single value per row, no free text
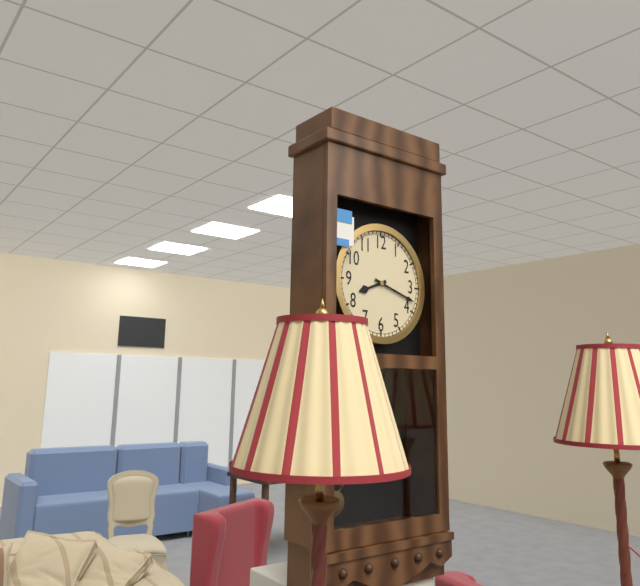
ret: **8:18**
